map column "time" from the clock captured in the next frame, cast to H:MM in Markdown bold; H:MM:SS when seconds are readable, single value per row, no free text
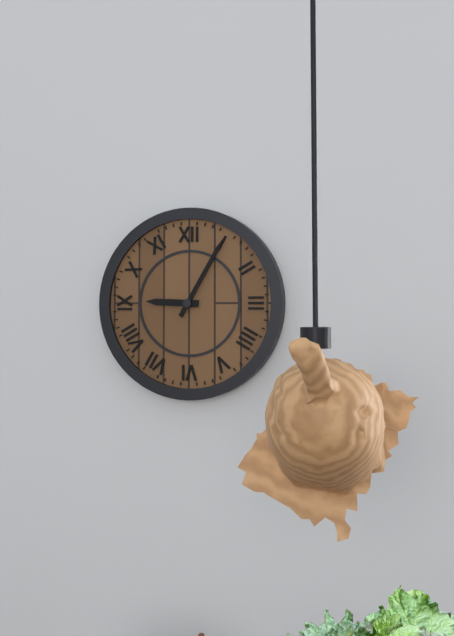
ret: **9:05**
